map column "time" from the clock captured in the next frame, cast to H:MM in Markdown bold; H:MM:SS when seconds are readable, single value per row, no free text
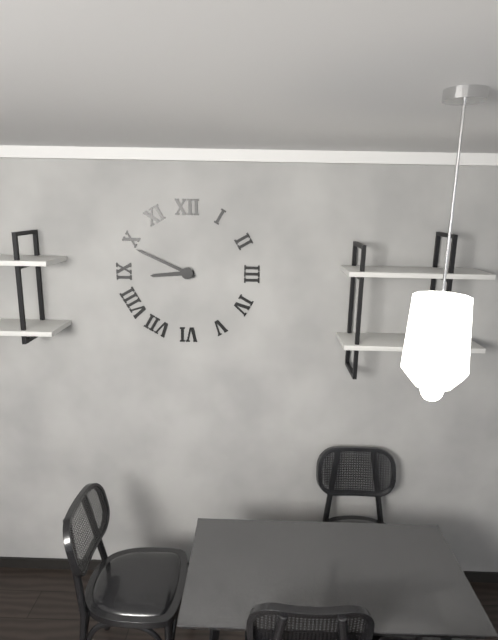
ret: **8:49**
